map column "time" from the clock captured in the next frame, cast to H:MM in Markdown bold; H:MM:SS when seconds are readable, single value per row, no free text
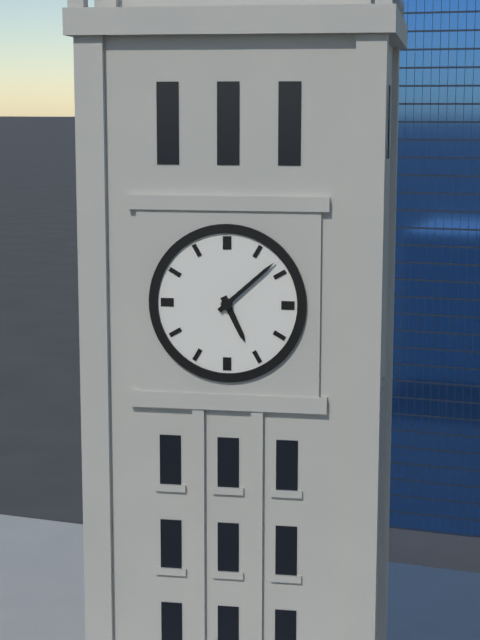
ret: **5:08**
